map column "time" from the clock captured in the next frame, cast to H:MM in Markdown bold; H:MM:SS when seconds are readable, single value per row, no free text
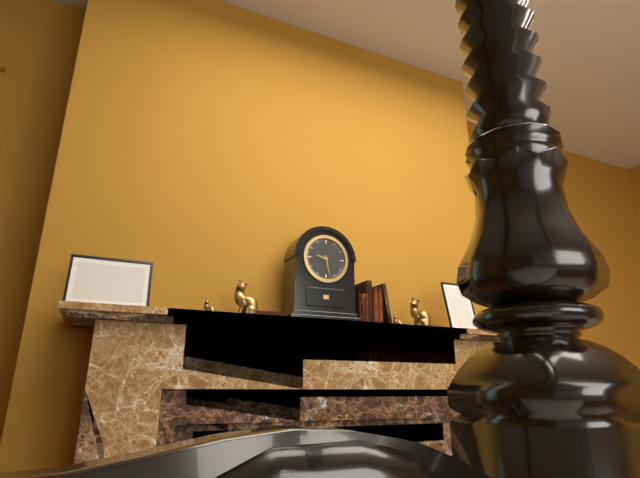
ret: **9:28**
